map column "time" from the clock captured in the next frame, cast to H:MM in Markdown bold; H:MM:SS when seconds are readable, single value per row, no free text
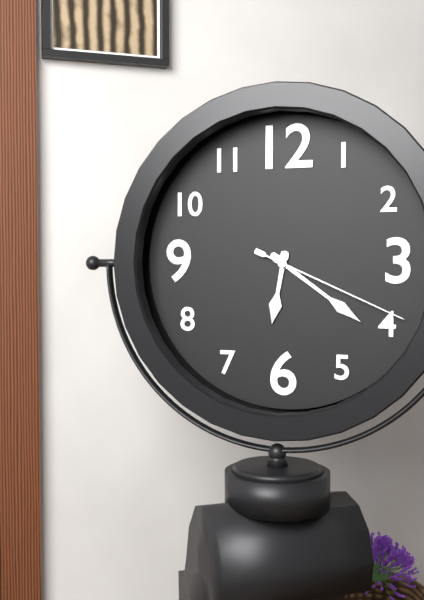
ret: **6:21:19**
